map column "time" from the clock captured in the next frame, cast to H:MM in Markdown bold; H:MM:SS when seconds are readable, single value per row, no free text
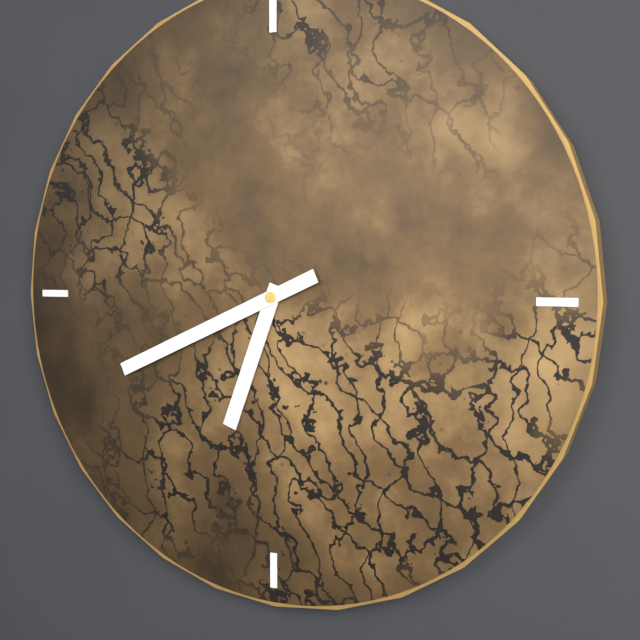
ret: **6:41**
